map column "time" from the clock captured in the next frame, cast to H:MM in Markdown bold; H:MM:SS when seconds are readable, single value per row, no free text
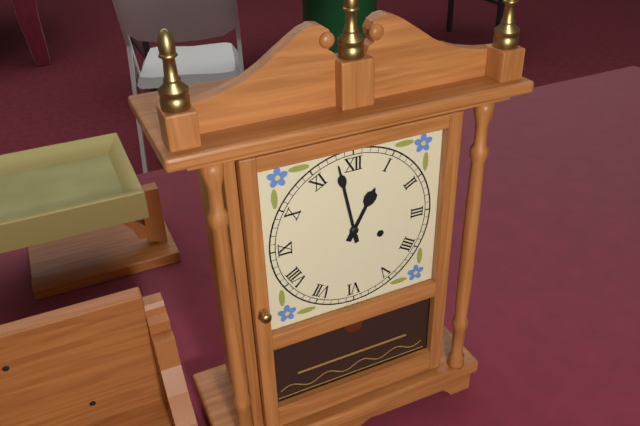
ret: **12:58**
